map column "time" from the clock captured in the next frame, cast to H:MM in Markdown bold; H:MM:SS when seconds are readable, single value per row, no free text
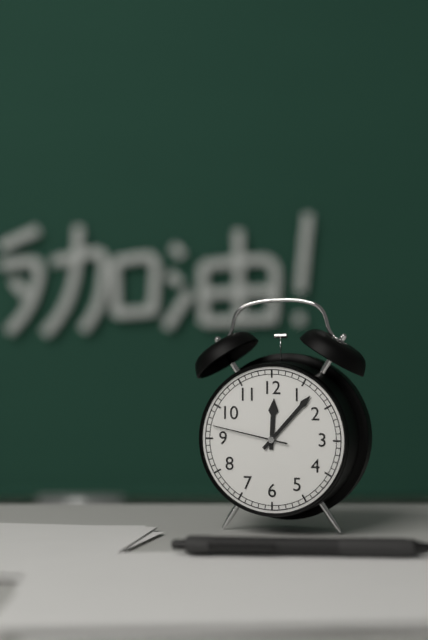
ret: **12:07:47**
